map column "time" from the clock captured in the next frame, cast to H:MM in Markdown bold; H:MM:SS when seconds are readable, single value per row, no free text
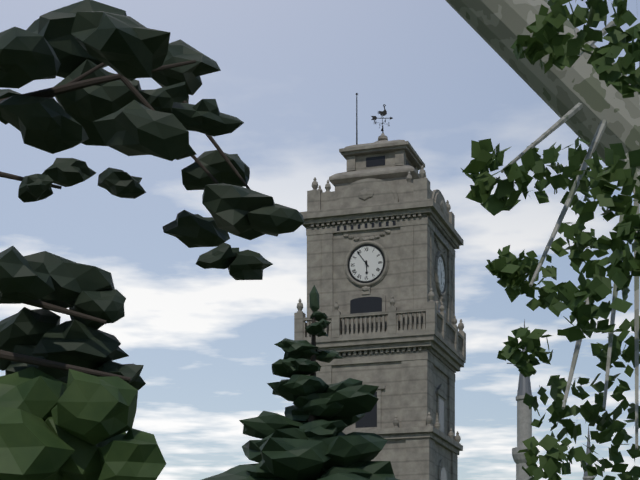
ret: **5:54**
